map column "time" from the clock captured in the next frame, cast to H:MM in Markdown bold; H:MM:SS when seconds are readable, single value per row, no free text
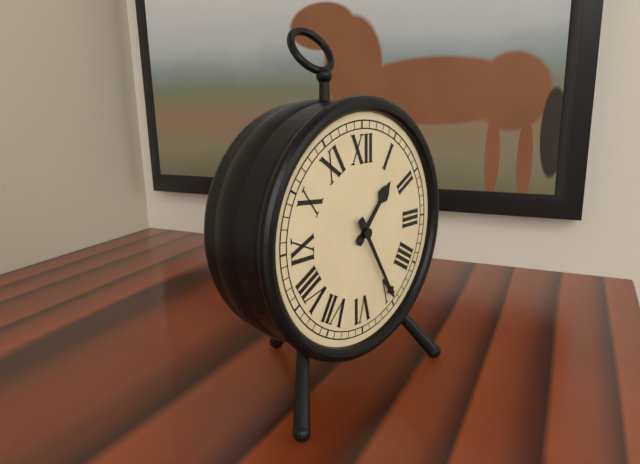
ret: **1:25**
